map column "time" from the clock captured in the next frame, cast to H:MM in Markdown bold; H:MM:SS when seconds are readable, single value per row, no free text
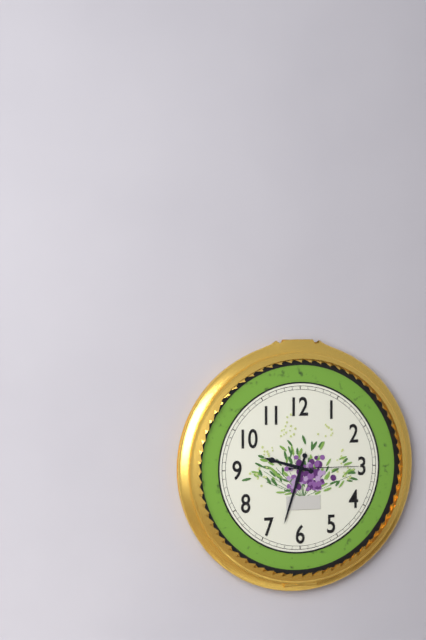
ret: **9:33:15**
